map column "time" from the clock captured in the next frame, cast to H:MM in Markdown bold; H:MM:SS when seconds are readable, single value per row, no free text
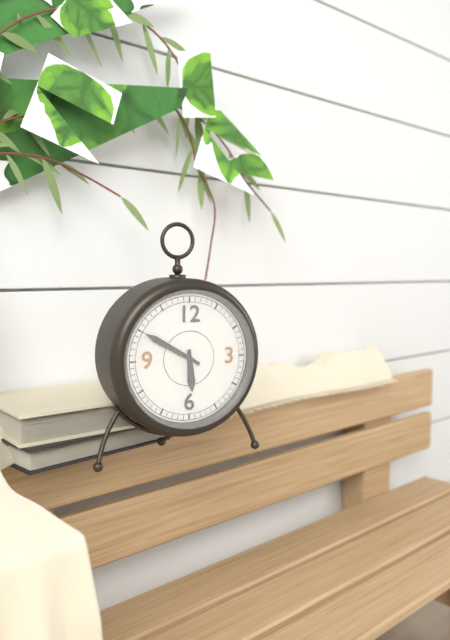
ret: **5:50**
